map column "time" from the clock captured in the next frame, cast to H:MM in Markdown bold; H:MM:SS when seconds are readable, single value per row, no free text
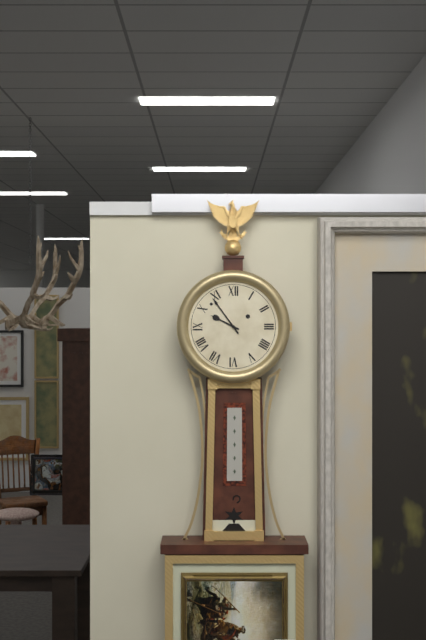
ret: **9:54**
